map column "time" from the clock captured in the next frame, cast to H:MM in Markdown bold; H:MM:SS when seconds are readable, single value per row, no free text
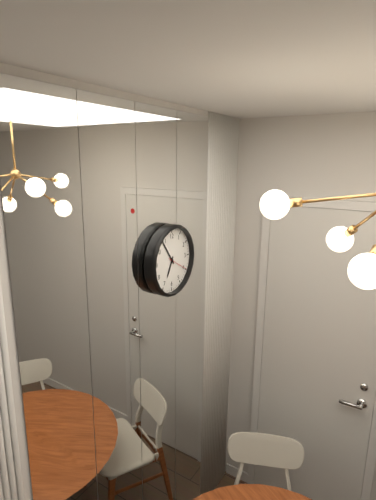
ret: **6:54**
